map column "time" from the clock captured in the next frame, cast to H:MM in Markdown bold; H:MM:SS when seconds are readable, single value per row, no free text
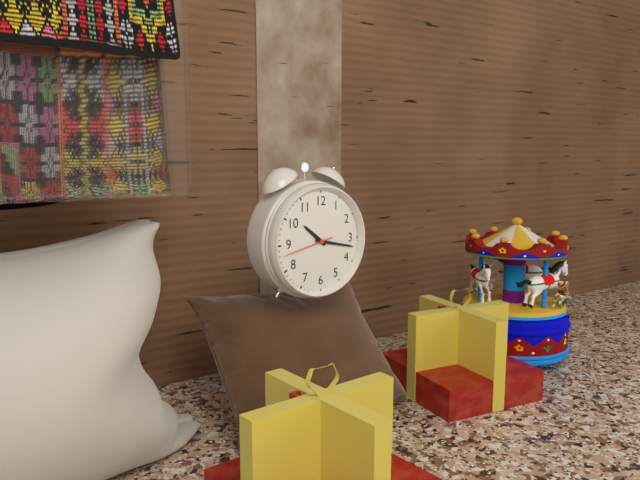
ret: **10:17:43**
